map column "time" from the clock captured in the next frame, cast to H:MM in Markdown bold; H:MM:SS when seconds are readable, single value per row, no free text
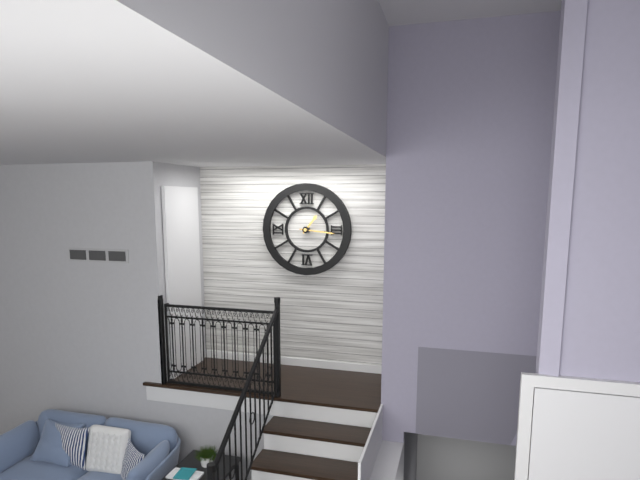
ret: **1:16**
